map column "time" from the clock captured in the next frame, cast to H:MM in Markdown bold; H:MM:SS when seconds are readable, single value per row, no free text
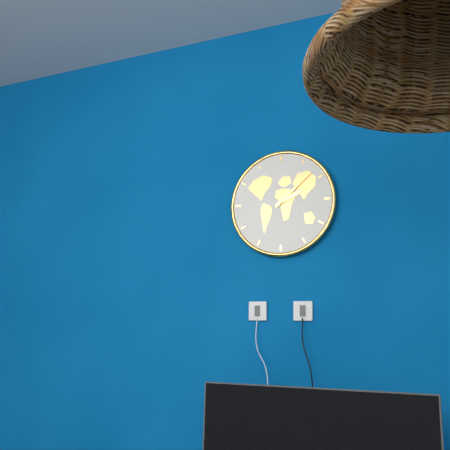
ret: **2:08**
